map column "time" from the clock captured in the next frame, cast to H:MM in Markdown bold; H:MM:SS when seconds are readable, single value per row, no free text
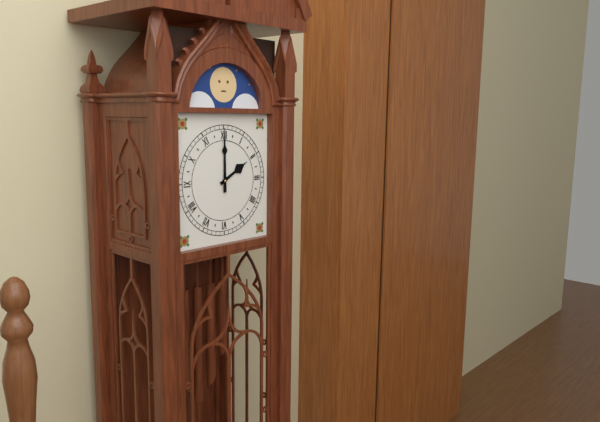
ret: **2:00**
